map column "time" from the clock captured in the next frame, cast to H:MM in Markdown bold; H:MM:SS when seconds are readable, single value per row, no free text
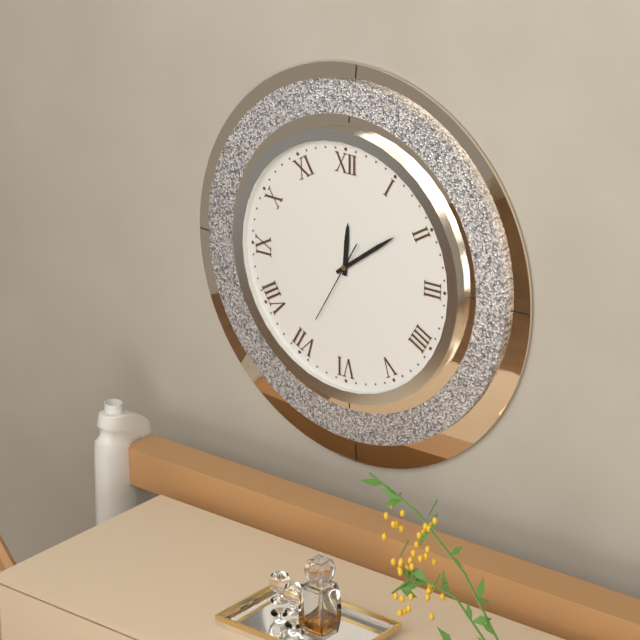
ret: **12:09:35**
